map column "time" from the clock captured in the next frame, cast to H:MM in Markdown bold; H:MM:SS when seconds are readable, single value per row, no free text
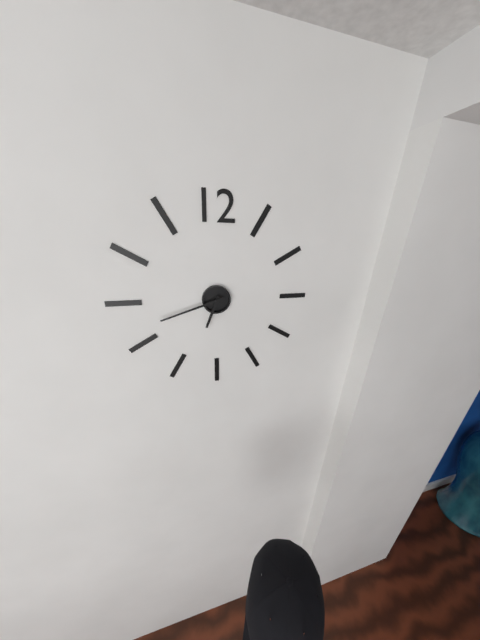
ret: **6:42**
